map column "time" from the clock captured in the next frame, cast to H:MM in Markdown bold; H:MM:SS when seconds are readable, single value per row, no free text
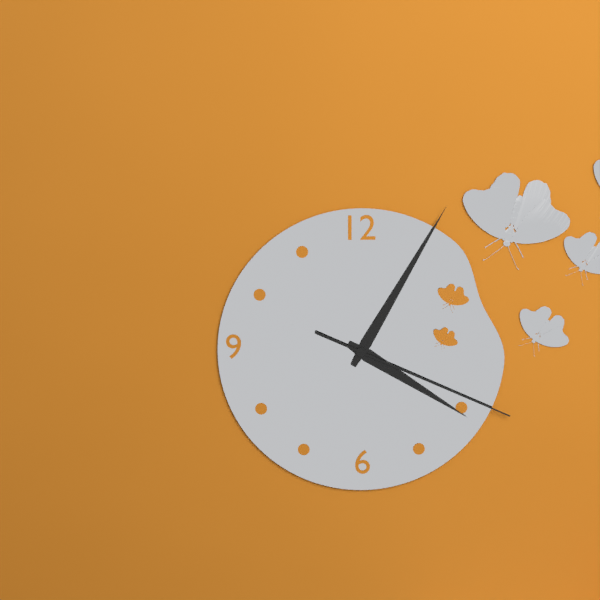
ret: **4:05:19**
